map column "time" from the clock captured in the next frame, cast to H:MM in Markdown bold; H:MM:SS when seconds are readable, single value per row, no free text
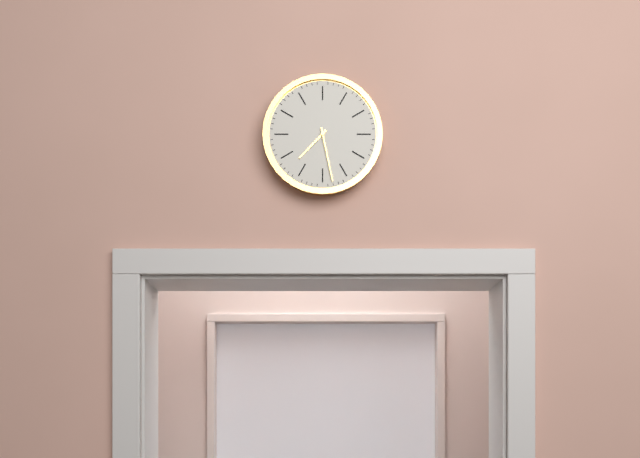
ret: **7:28**
